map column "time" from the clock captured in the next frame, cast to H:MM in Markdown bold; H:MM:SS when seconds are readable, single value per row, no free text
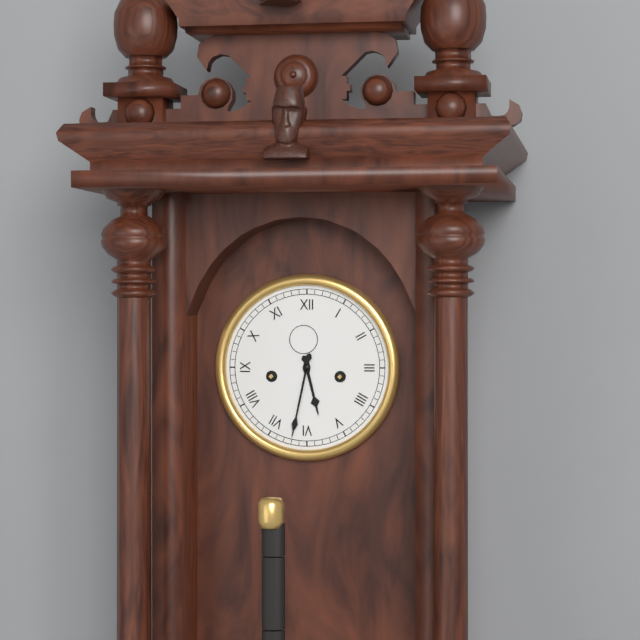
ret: **5:32**
